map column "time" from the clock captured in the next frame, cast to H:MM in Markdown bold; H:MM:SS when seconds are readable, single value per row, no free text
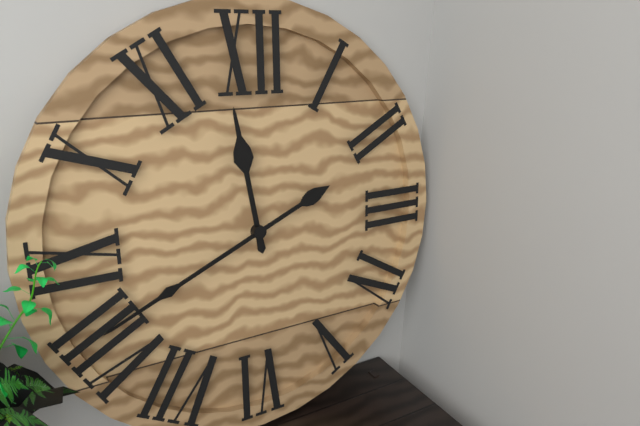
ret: **11:41**
